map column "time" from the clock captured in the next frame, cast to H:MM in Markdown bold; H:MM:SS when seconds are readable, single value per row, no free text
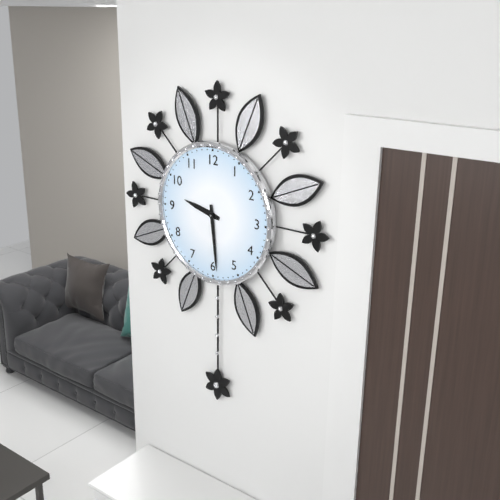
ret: **9:29**
